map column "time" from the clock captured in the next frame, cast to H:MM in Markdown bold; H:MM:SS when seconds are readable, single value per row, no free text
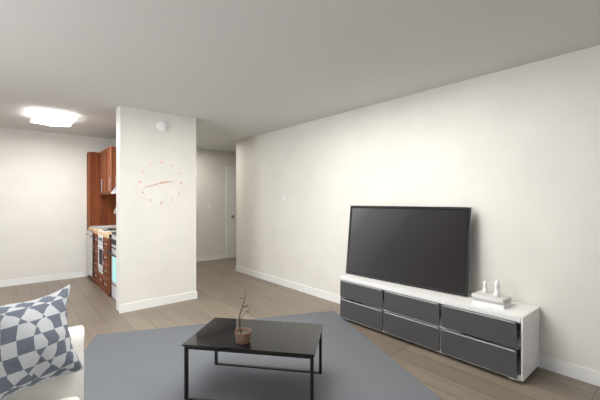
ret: **2:42**
